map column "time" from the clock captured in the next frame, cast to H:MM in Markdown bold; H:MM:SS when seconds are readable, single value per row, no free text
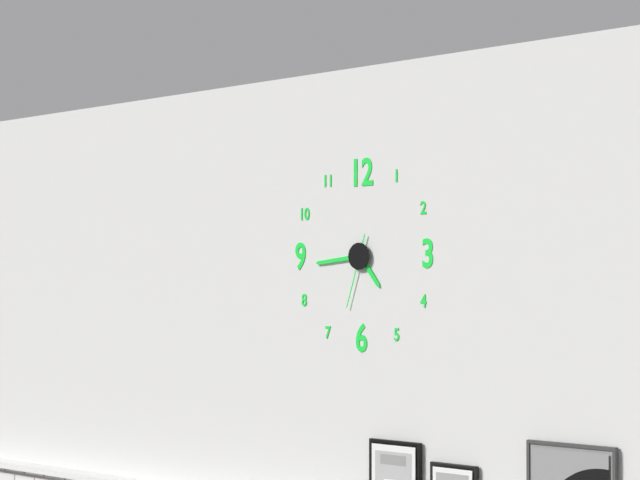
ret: **4:44:33**
